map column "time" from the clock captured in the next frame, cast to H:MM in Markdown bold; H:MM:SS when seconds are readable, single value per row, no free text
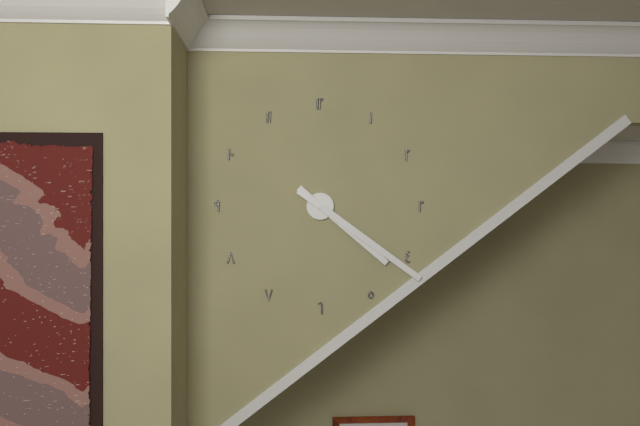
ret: **4:21**
